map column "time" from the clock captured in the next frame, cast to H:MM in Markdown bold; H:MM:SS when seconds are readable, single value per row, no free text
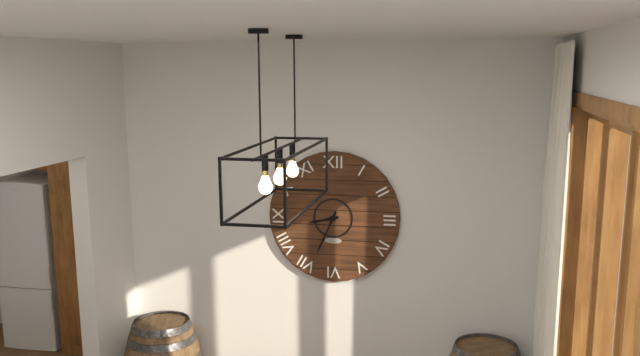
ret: **8:34**
